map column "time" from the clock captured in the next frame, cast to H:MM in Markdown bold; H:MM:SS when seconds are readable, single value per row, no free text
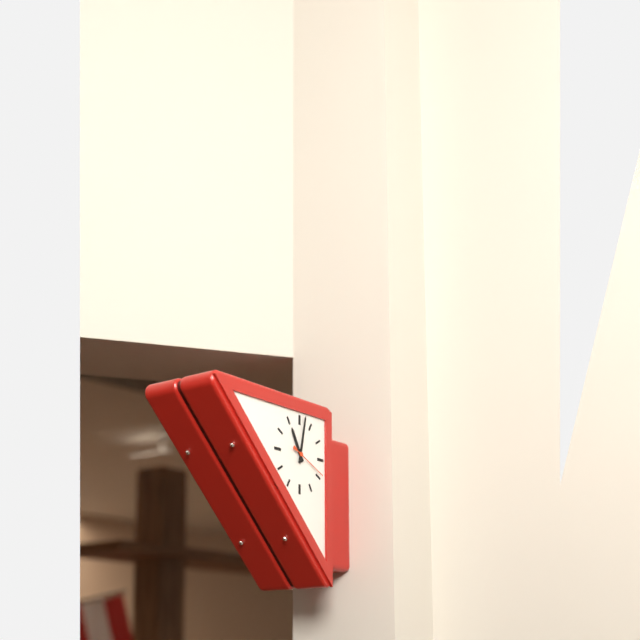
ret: **11:02**
